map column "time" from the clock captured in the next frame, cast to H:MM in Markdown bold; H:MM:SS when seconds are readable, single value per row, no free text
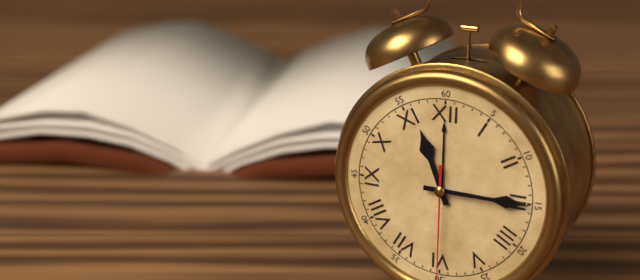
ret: **11:15**
